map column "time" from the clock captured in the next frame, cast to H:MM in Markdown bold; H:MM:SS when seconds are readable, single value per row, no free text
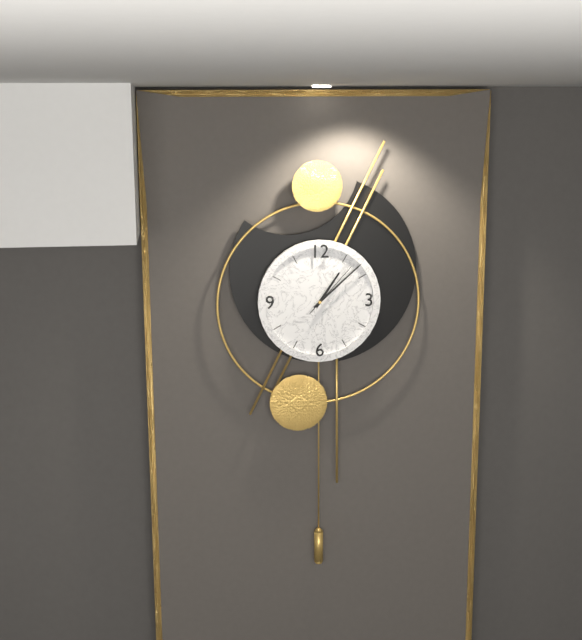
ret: **1:08:07**
